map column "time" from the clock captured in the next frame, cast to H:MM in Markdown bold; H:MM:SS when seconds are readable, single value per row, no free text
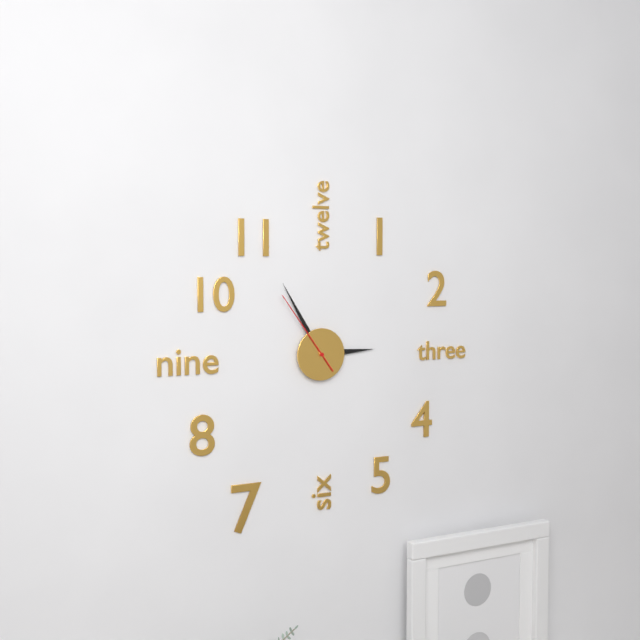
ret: **2:55:54**
